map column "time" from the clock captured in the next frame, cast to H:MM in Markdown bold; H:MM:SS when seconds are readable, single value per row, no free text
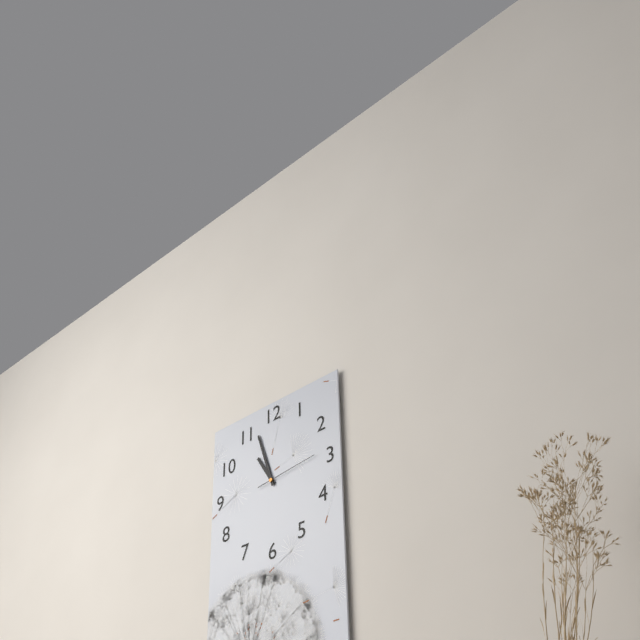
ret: **10:57:14**
